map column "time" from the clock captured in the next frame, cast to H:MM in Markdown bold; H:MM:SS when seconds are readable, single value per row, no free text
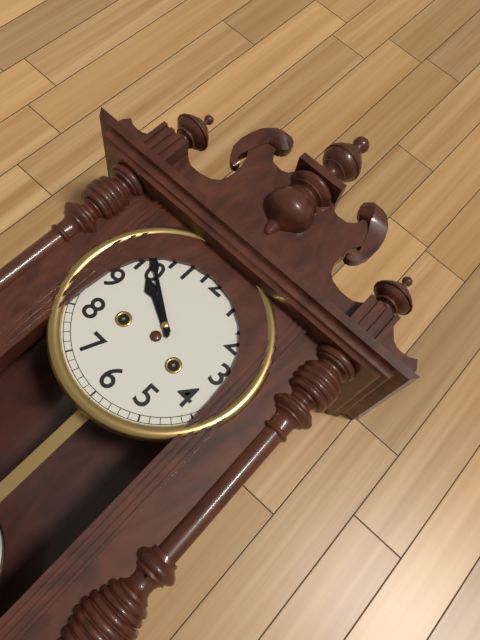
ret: **9:51**
